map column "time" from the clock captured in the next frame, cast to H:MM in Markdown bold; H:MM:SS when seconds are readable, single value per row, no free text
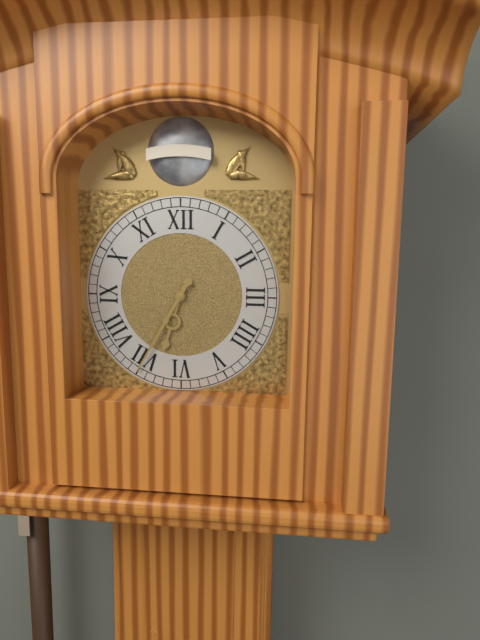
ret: **6:35**
